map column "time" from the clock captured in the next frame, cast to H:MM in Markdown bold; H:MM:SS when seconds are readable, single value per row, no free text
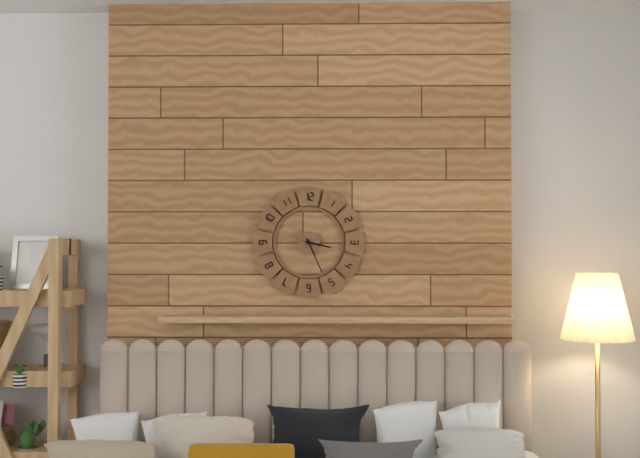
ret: **3:26**
